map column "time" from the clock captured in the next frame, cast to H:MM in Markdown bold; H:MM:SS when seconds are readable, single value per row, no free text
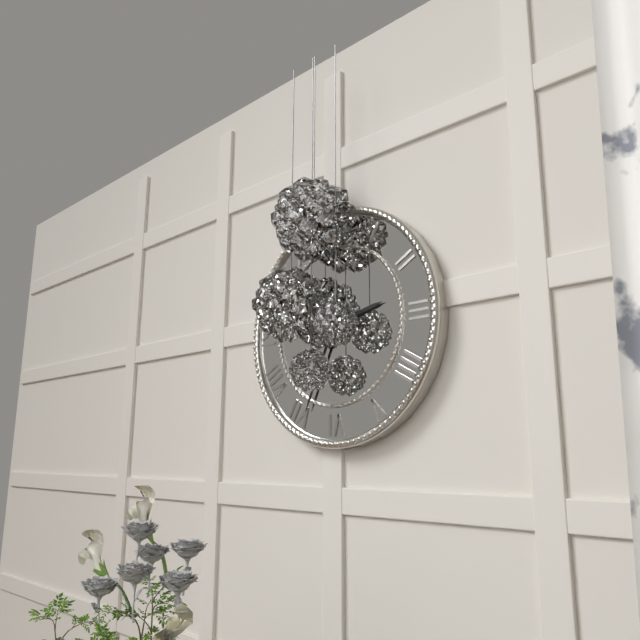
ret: **2:34**
